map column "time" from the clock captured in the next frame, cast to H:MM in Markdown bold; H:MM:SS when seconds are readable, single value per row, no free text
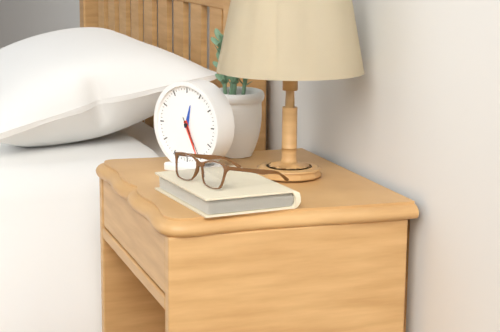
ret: **12:26**
